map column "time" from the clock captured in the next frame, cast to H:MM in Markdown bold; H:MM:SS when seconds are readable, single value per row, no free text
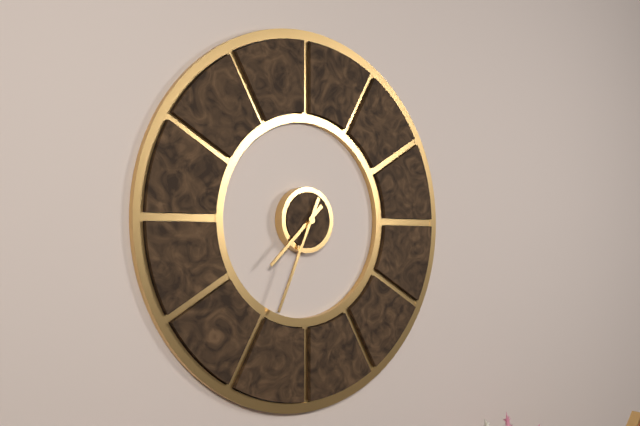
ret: **7:34**
